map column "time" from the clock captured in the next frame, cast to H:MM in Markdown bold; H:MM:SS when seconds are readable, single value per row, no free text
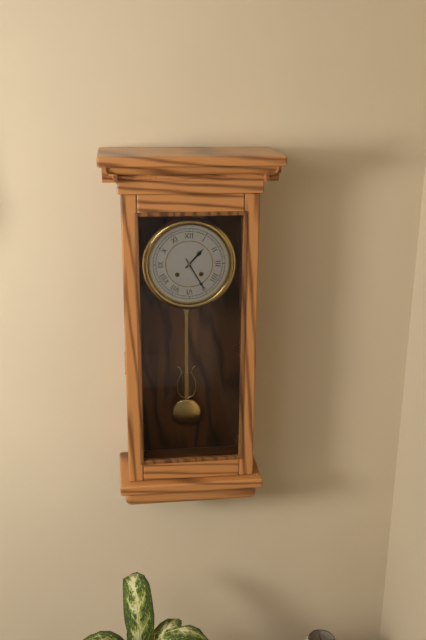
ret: **1:25**
